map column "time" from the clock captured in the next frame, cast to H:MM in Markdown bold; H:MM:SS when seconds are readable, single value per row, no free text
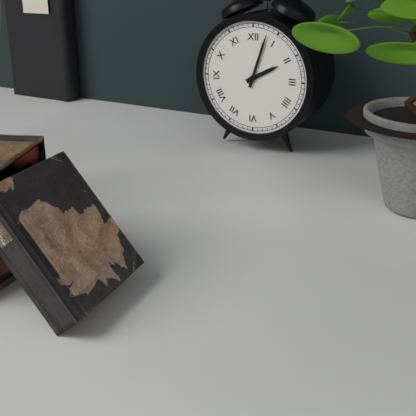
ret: **2:03**
